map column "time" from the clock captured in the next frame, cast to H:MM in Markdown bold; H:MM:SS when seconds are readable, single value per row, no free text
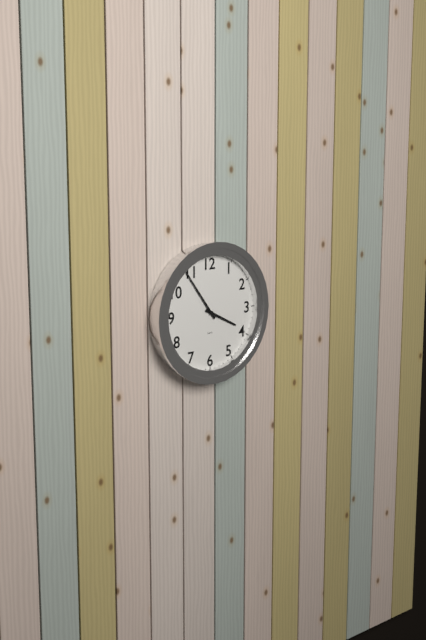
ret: **3:54**
